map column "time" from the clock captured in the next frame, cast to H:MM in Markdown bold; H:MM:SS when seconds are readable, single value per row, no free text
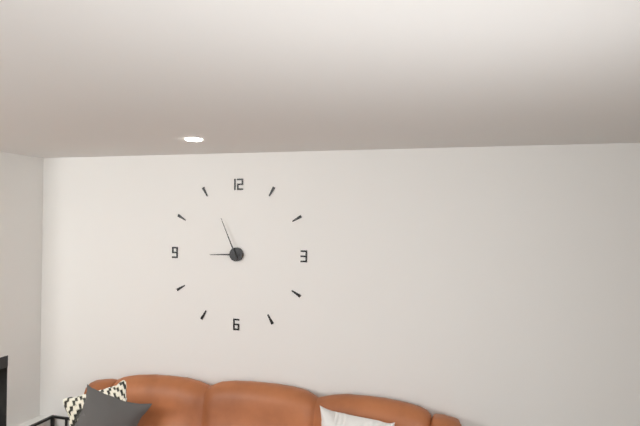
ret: **8:56**
